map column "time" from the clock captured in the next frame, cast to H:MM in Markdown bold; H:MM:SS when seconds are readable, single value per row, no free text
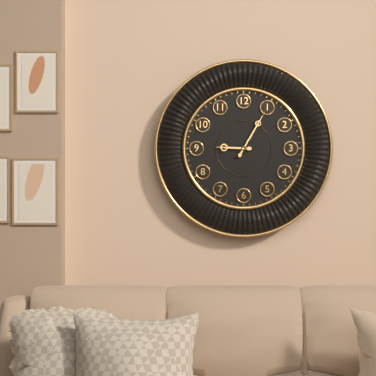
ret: **9:05**
